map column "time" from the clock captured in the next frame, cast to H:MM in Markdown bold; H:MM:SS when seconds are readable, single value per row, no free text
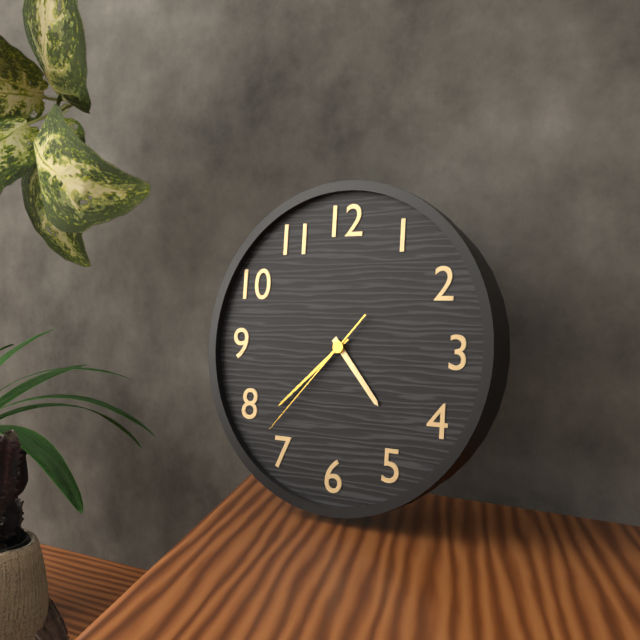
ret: **4:38:37**
